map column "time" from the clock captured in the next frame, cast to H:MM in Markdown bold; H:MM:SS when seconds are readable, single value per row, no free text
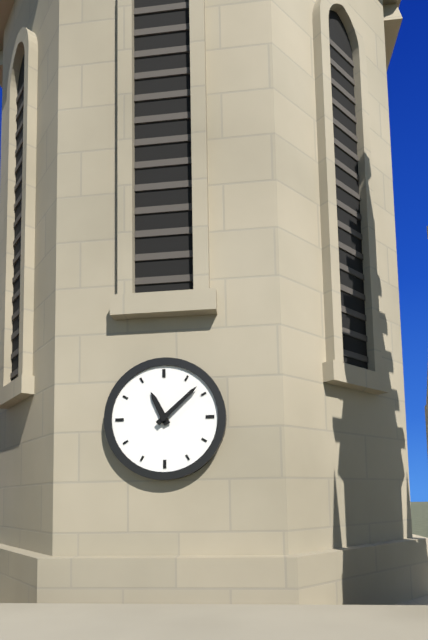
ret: **11:08**
